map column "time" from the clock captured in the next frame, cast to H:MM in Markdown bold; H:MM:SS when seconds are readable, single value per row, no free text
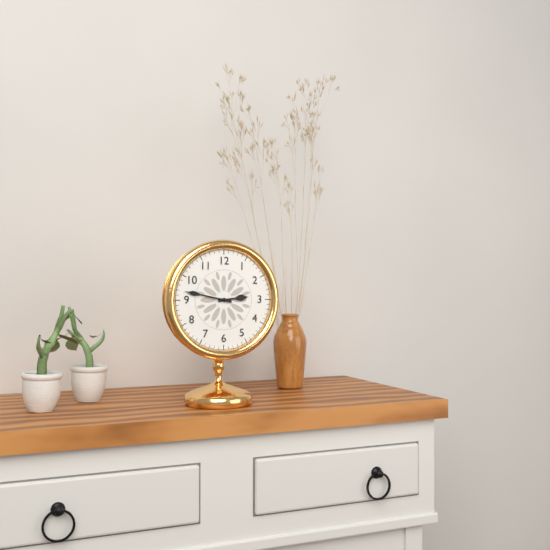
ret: **2:47**
